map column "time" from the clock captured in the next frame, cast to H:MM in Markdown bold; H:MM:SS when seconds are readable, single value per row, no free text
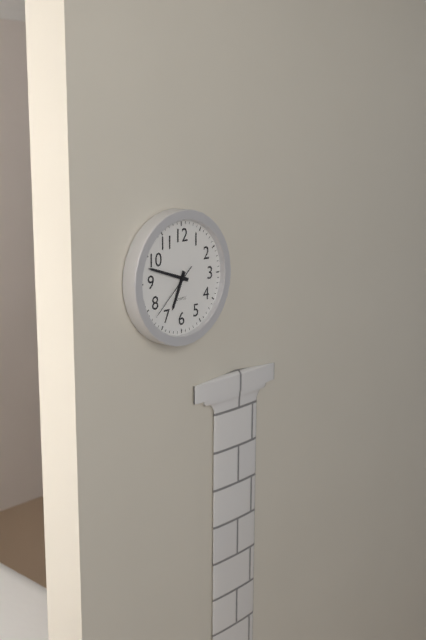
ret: **6:48:38**
